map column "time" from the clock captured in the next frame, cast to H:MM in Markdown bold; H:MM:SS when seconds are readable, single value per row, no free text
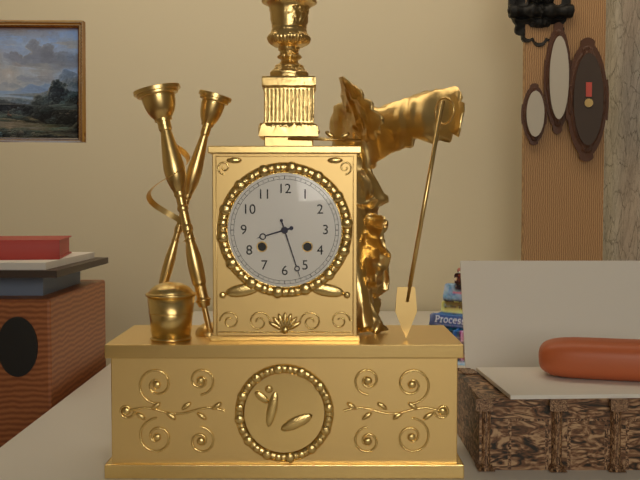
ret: **8:27**
